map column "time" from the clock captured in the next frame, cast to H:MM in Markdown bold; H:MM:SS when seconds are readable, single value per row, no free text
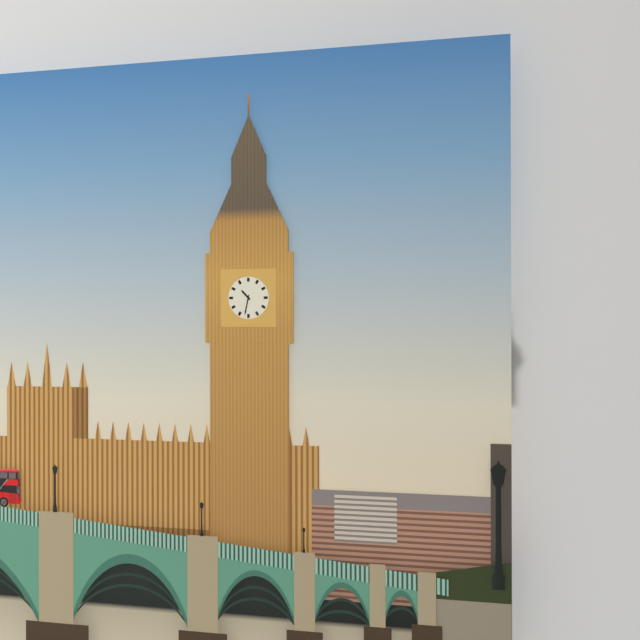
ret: **10:32**
